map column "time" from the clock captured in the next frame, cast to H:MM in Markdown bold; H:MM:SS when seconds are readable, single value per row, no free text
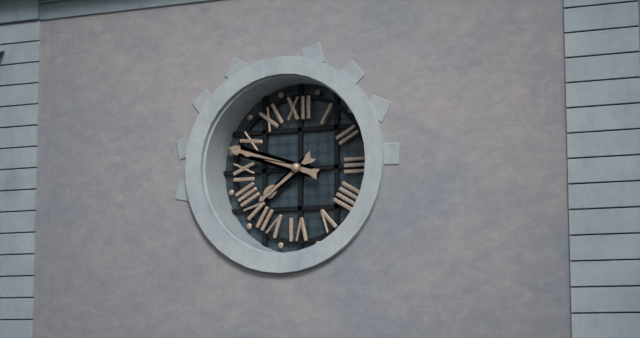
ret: **7:48**
